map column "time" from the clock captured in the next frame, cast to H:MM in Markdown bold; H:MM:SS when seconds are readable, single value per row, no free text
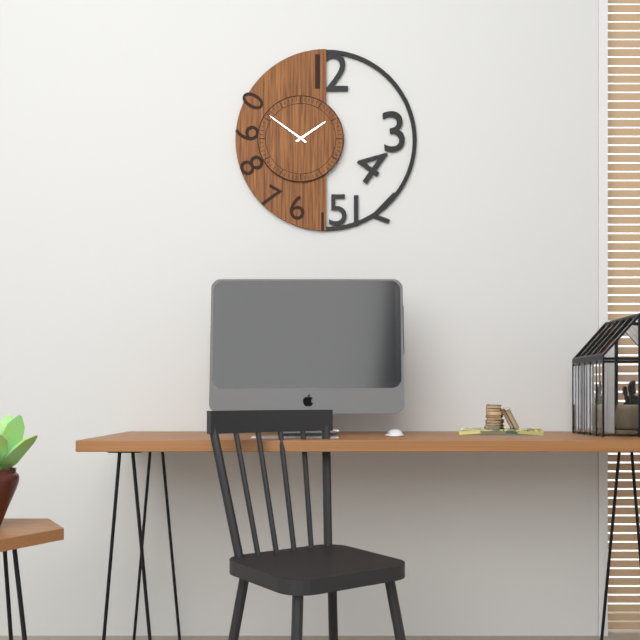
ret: **1:51**
